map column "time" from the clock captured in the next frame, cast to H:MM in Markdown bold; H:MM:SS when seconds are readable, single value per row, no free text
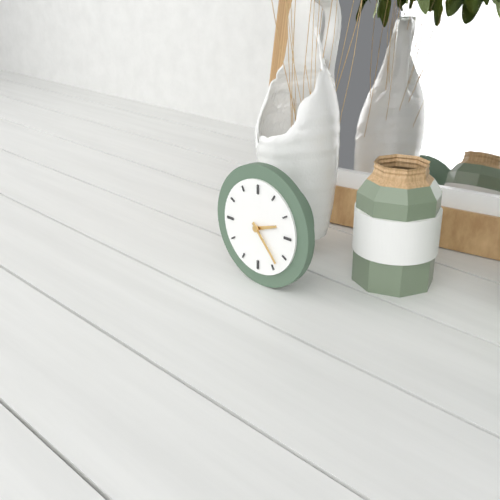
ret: **2:23**
